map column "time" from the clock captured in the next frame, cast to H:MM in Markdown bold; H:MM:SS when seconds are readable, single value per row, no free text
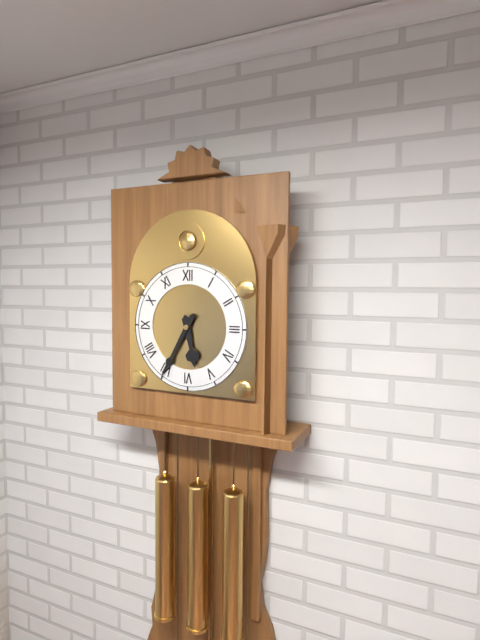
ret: **5:35**
